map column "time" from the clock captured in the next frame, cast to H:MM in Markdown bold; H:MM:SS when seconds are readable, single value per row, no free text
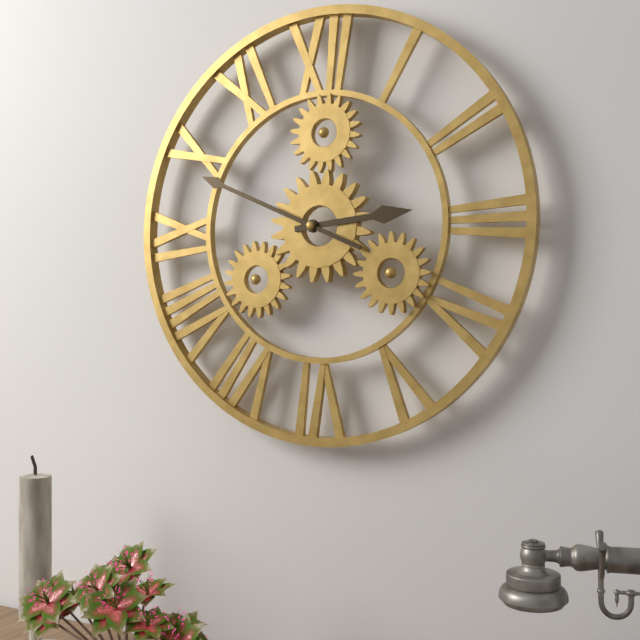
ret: **2:49**
